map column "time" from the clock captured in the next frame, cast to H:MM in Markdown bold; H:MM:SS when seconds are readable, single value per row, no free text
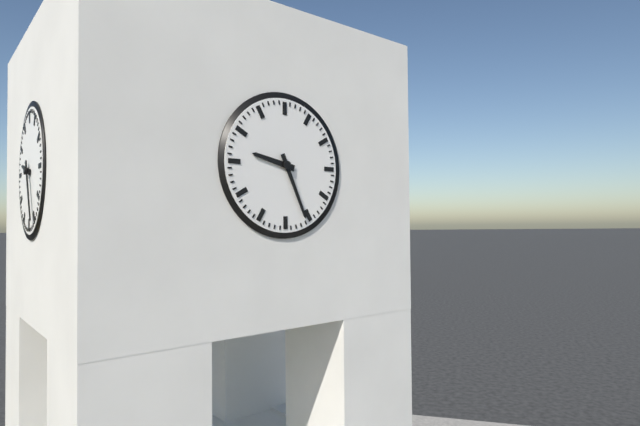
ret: **9:26**
